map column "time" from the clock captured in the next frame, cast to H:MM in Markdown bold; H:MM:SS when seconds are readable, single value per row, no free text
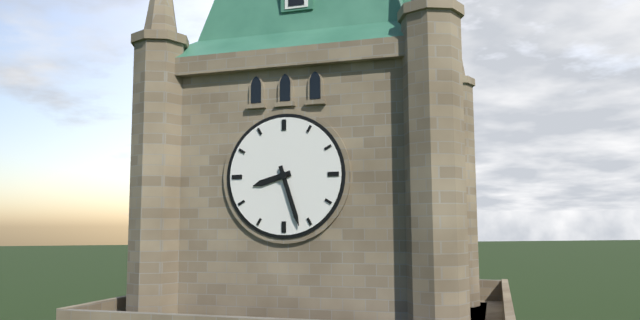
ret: **8:27**
